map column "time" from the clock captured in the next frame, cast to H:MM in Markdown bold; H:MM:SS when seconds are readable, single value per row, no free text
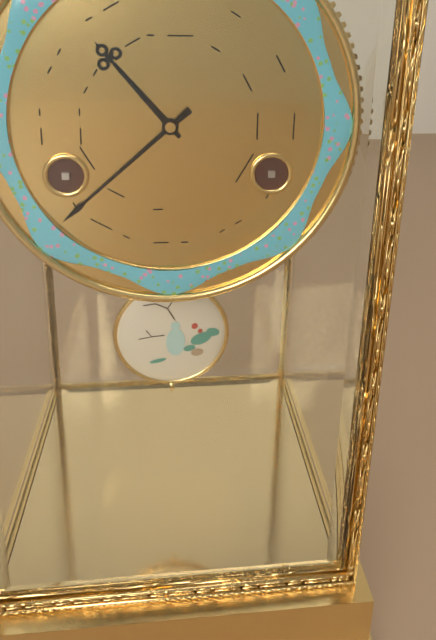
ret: **10:38**
